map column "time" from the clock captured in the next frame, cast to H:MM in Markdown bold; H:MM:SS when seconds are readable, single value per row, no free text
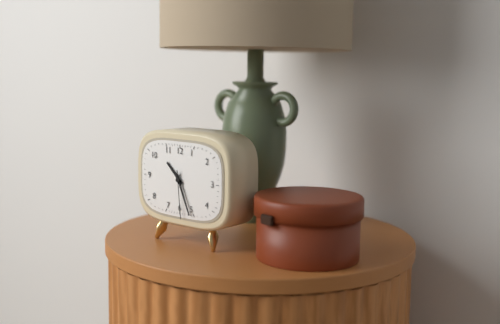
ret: **10:26**
